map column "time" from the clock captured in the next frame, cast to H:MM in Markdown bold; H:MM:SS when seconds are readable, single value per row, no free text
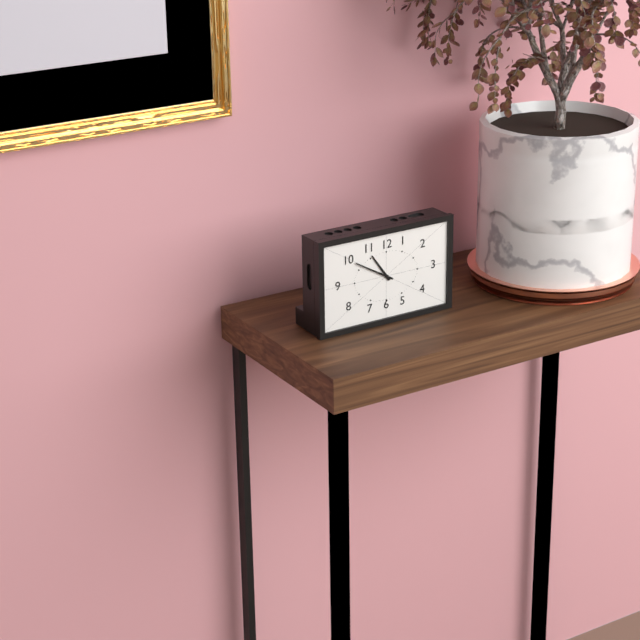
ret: **10:50**
